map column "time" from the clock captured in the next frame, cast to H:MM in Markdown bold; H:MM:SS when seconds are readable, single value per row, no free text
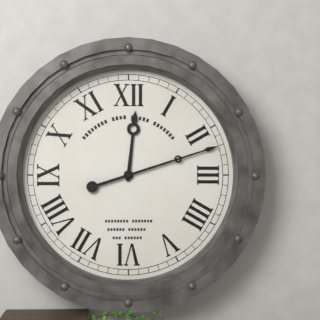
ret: **12:12**
